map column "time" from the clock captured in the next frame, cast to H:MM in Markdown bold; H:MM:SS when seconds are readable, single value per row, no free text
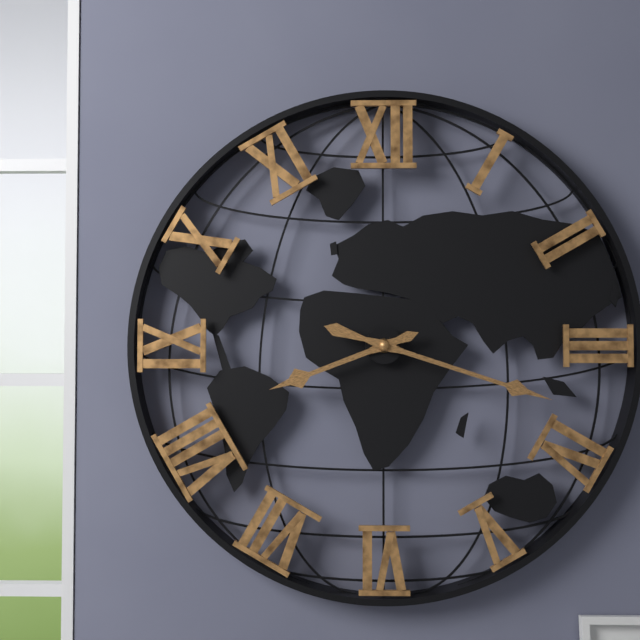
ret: **8:18**
